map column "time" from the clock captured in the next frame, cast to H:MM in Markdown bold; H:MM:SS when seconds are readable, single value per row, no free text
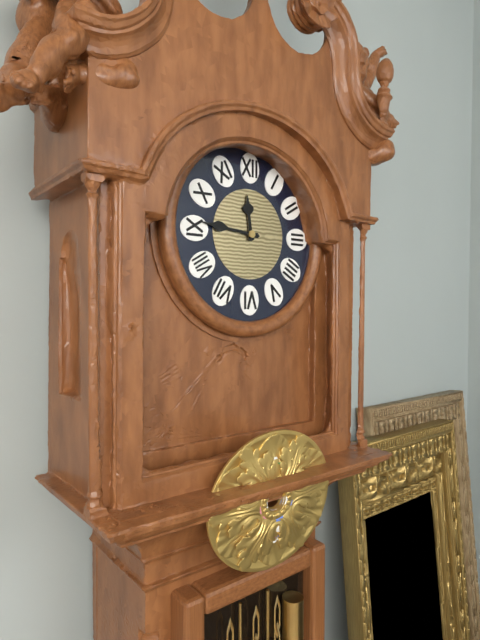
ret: **11:46**
